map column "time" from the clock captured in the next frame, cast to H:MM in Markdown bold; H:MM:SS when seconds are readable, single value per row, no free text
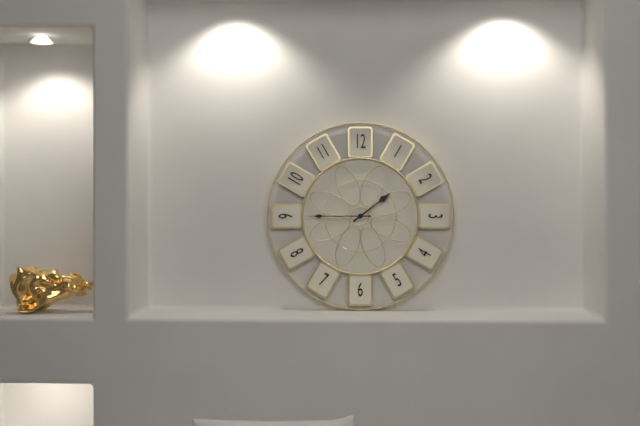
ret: **1:45**
